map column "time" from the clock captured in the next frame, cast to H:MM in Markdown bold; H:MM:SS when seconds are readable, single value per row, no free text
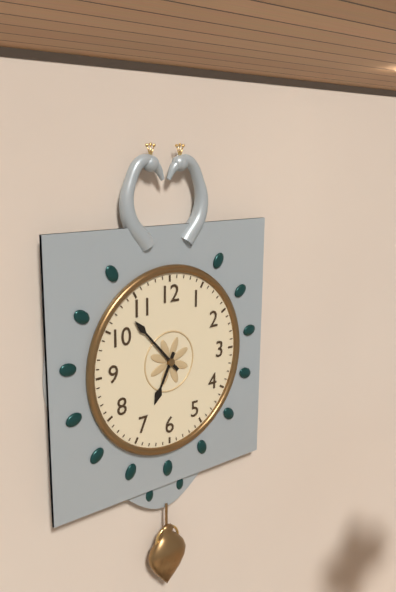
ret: **6:53**
